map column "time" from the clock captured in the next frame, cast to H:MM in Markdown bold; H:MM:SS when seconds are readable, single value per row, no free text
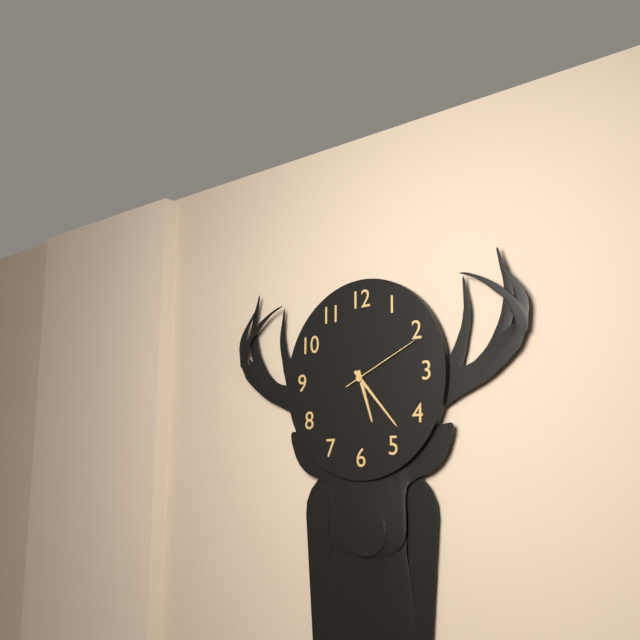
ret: **5:23:11**
